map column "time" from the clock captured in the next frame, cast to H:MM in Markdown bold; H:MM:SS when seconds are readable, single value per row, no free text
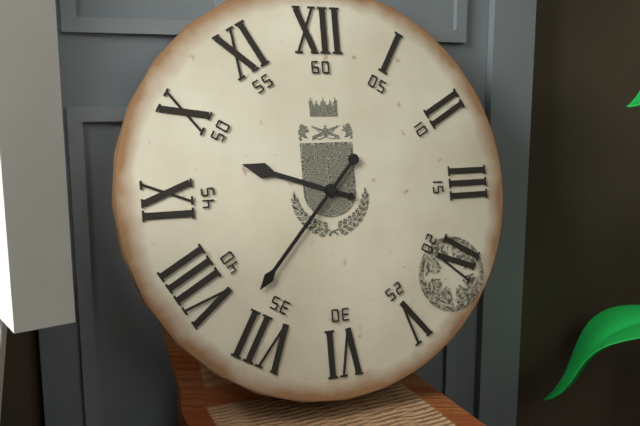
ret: **9:37**
